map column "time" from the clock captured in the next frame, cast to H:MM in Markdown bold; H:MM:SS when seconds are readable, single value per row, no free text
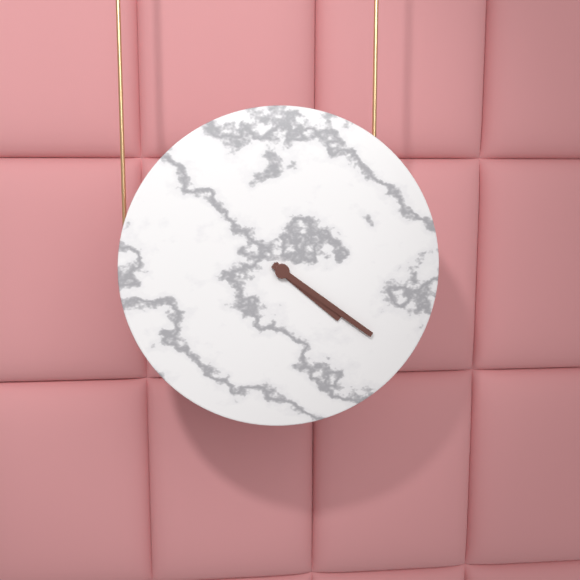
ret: **4:21**
